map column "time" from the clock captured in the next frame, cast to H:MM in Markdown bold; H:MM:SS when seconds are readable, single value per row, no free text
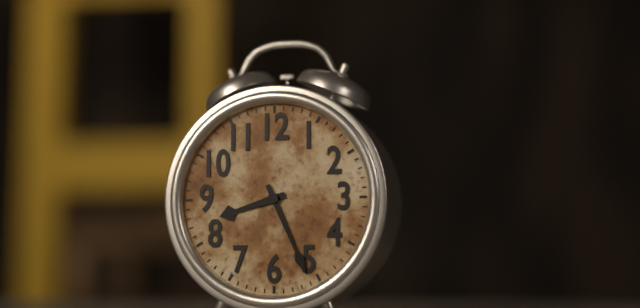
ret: **8:26**
